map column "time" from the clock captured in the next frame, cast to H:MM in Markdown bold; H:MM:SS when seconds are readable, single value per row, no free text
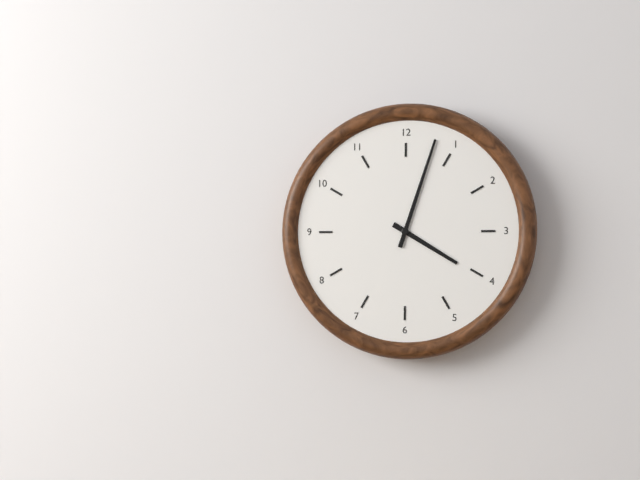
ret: **4:03**
